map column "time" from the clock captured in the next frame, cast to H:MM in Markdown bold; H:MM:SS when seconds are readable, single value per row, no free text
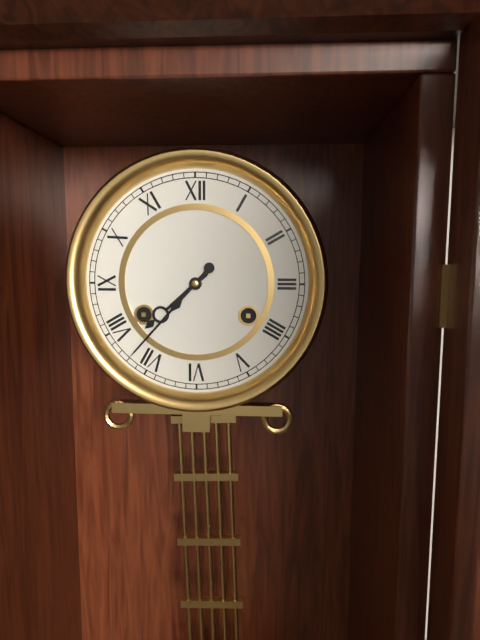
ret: **7:37**
